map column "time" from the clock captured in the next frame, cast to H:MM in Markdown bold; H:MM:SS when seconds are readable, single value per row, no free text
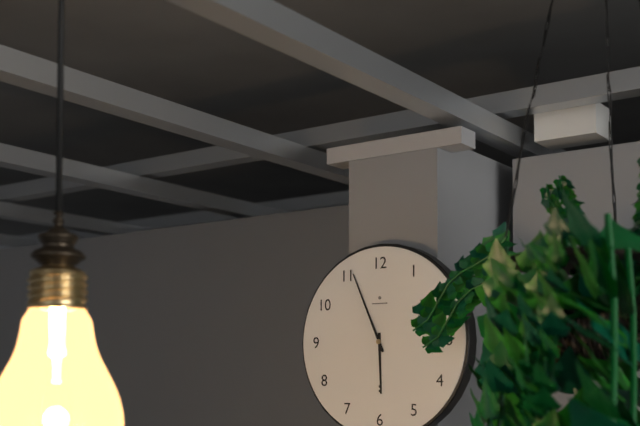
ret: **5:56**
